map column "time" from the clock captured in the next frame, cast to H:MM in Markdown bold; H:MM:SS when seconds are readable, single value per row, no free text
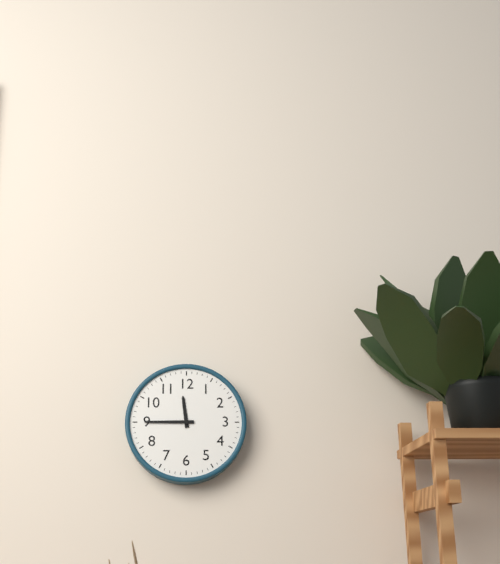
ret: **11:45**
